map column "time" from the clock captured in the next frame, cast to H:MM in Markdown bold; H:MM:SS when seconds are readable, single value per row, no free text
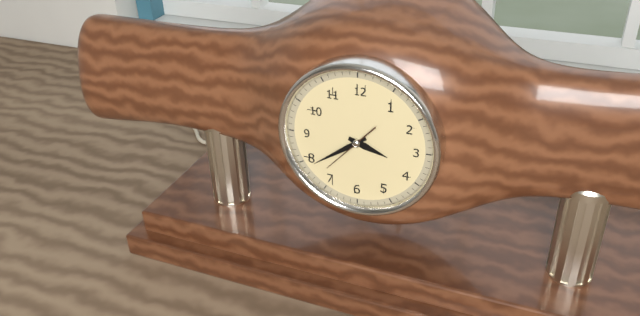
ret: **3:39**
